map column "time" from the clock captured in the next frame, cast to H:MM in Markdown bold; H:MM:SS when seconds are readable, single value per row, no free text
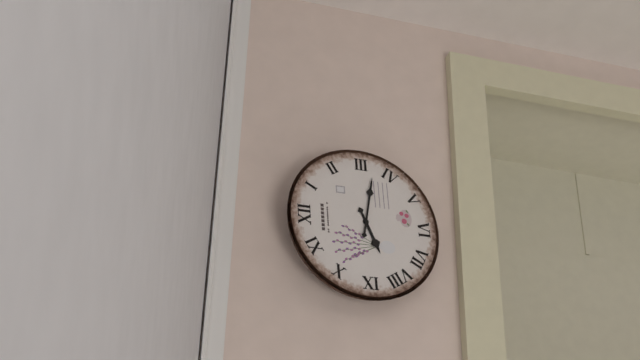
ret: **8:17**
